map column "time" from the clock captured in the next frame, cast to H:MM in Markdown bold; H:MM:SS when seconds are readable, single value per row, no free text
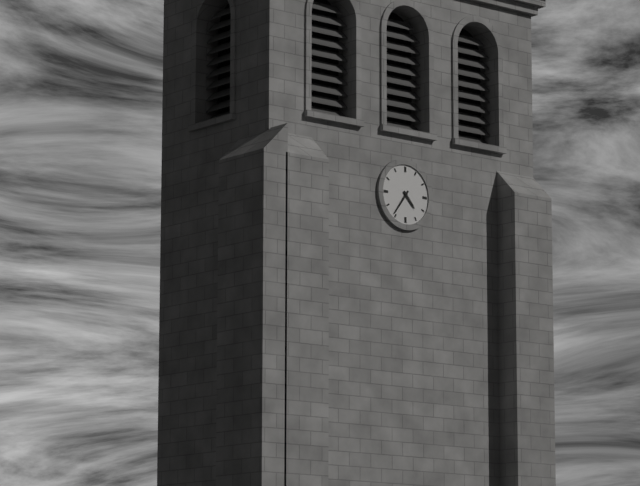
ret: **4:36**
